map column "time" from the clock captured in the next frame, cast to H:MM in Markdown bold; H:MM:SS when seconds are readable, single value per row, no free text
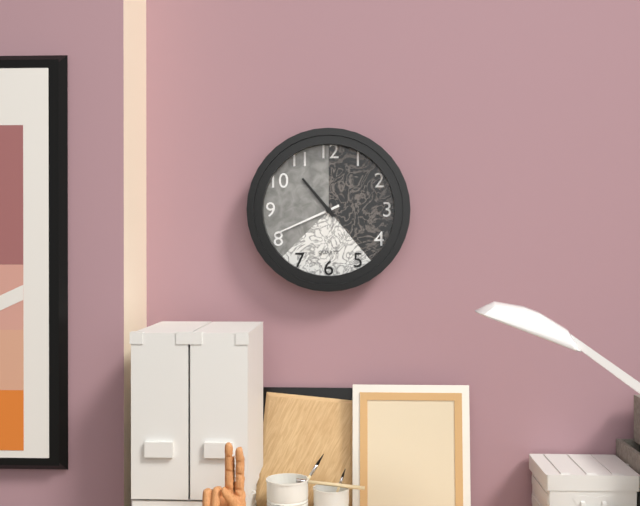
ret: **10:41**
